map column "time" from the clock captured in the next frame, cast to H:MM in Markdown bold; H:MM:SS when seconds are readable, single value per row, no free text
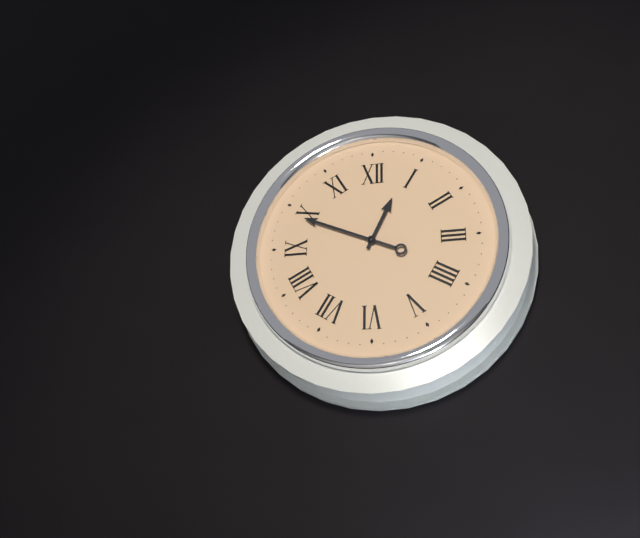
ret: **12:49**
